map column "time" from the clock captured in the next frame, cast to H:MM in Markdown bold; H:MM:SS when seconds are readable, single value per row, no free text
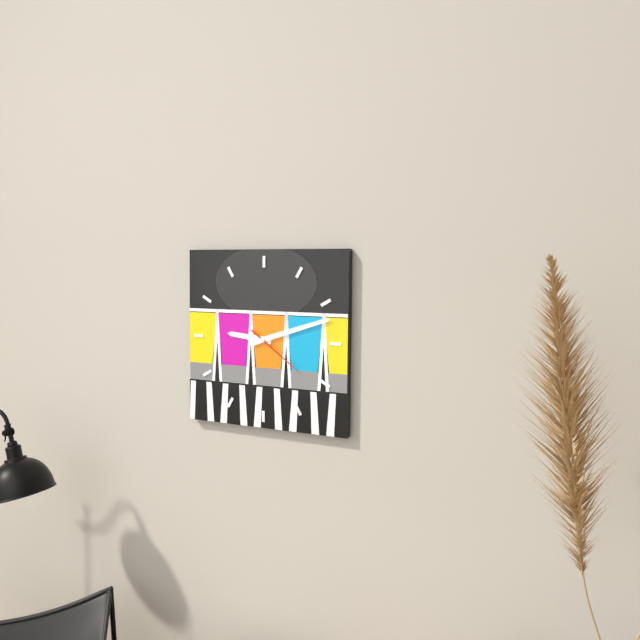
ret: **9:12:21**
